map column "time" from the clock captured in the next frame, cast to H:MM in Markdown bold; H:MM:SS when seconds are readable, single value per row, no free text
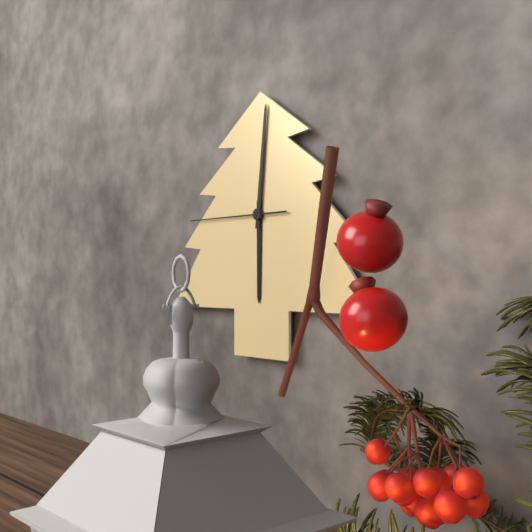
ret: **6:01:45**
